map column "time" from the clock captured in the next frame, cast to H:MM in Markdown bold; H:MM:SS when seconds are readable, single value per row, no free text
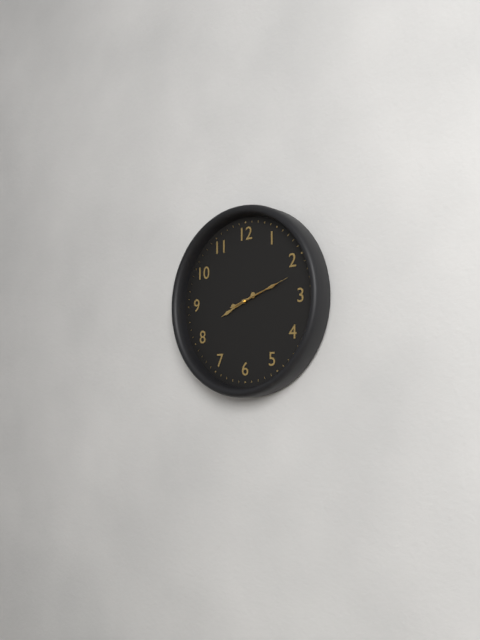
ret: **8:12:12**
